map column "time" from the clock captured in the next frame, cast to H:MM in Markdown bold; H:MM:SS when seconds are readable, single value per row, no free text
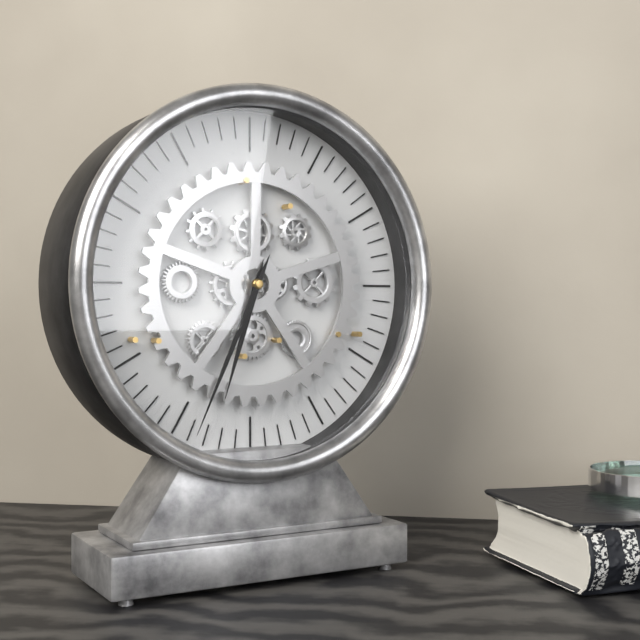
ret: **6:34**
